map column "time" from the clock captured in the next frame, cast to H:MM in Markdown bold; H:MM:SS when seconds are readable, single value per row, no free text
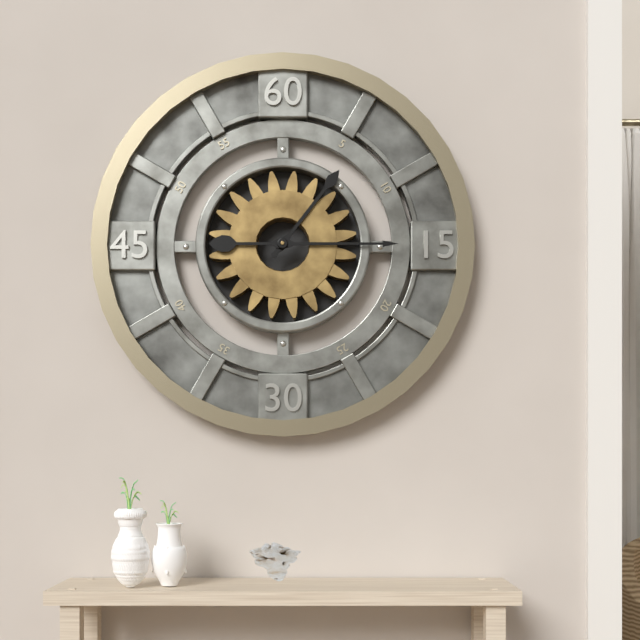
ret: **1:15**
